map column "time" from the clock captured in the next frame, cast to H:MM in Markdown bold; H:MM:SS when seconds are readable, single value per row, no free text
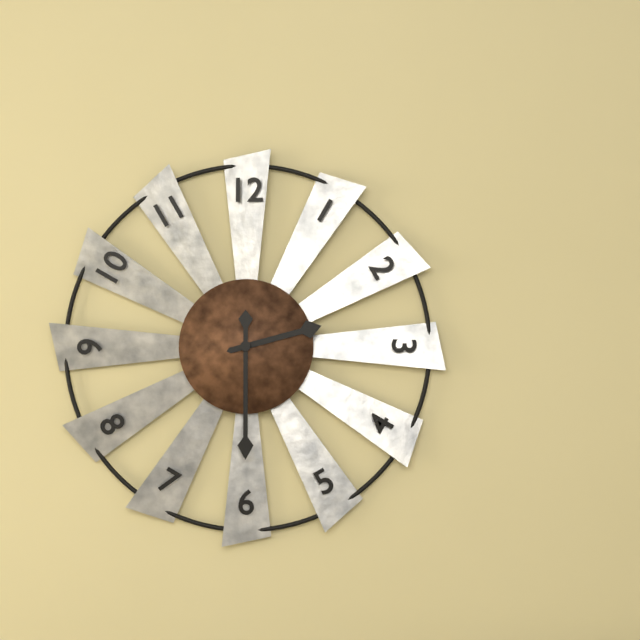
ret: **2:30**
